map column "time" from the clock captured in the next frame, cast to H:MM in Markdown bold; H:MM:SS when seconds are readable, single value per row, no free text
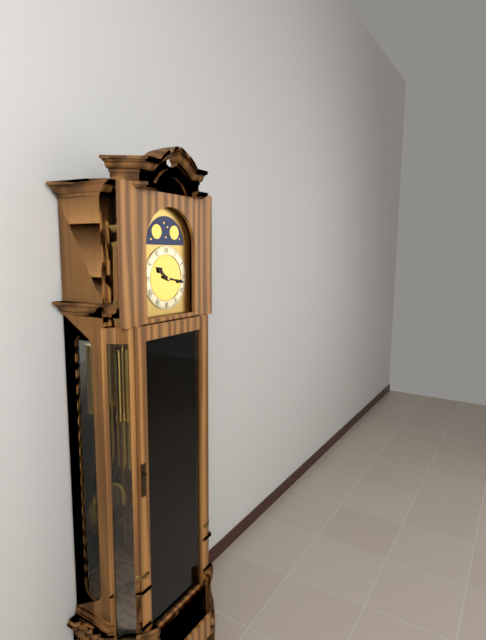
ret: **10:17**
